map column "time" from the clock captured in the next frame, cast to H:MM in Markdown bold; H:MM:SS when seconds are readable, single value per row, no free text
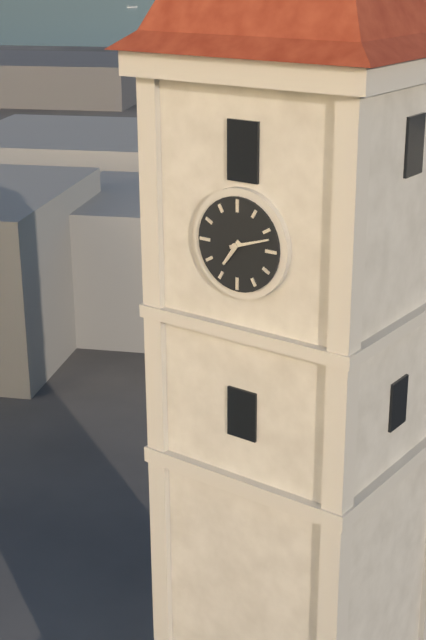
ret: **7:12**
